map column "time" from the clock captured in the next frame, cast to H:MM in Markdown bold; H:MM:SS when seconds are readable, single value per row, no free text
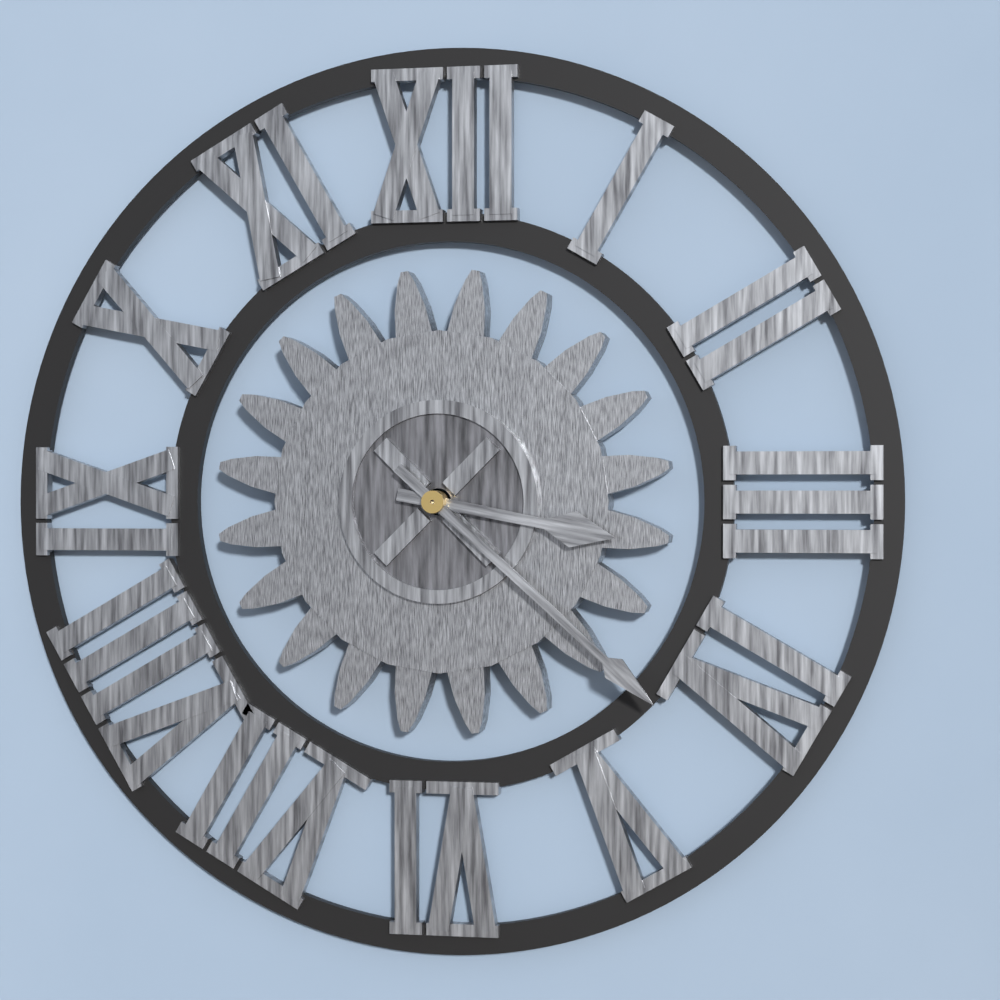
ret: **3:22**
